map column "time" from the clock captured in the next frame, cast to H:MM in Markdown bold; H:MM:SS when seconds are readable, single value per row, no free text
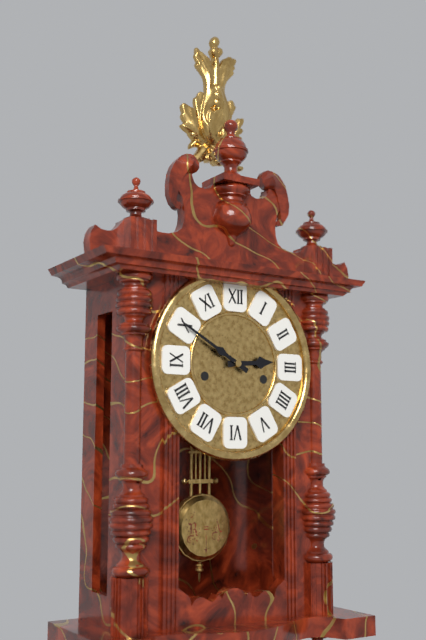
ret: **2:50**
